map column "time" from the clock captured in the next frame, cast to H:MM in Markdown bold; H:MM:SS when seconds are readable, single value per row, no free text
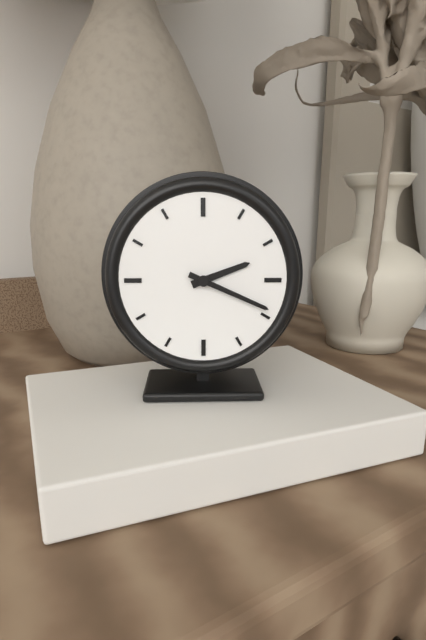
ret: **2:19**
